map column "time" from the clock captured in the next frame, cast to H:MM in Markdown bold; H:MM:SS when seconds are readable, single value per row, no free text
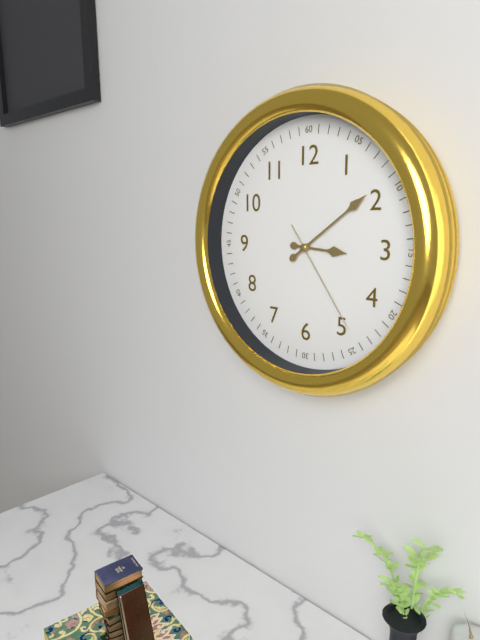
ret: **3:09:24**
